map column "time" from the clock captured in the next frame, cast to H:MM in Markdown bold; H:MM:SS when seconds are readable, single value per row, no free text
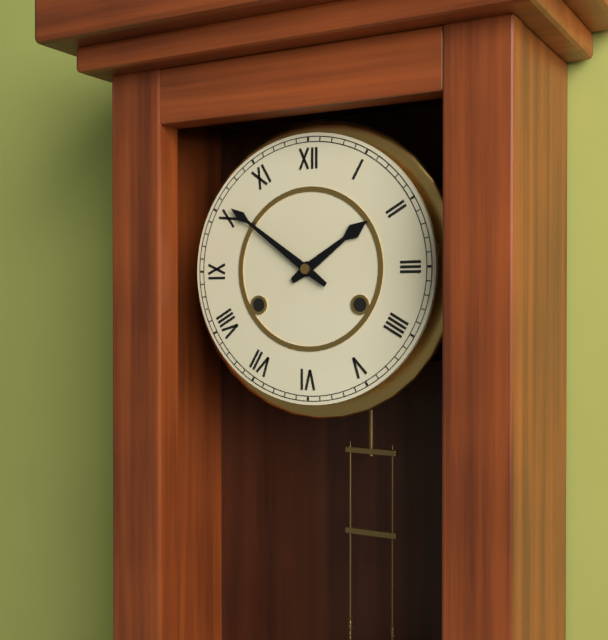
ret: **1:51**
